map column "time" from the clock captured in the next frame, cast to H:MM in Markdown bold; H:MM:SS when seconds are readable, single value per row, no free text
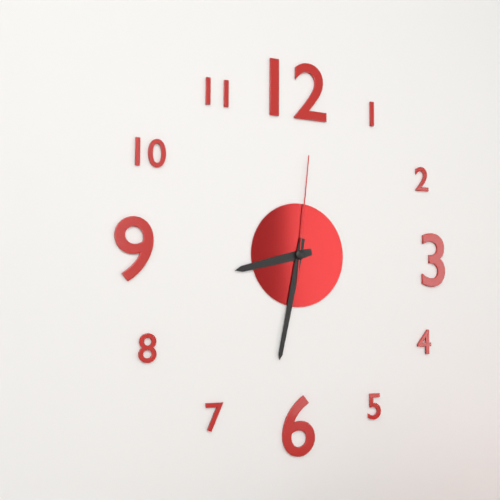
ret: **8:32:01**
